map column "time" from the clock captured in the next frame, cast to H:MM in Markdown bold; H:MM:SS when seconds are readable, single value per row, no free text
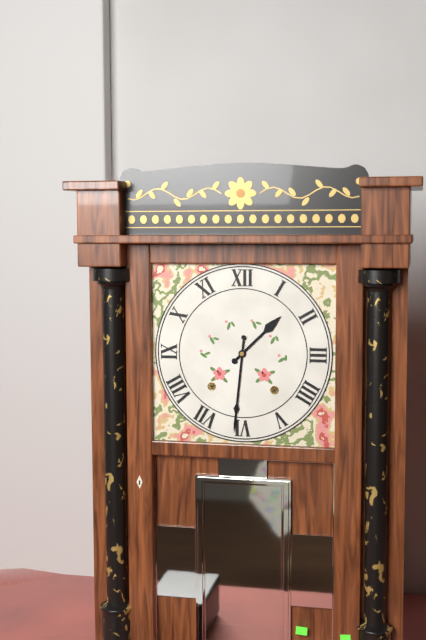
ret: **1:31**
